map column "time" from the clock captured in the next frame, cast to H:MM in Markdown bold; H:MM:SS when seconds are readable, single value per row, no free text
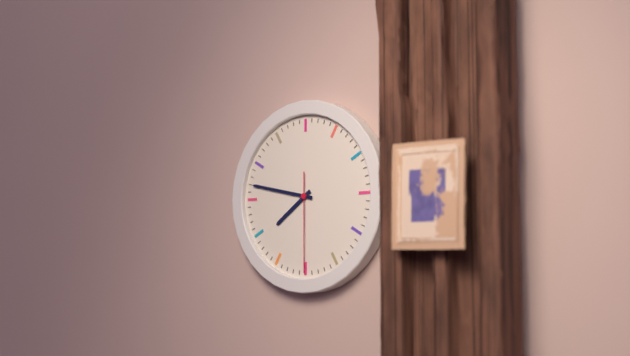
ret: **7:47:30**
